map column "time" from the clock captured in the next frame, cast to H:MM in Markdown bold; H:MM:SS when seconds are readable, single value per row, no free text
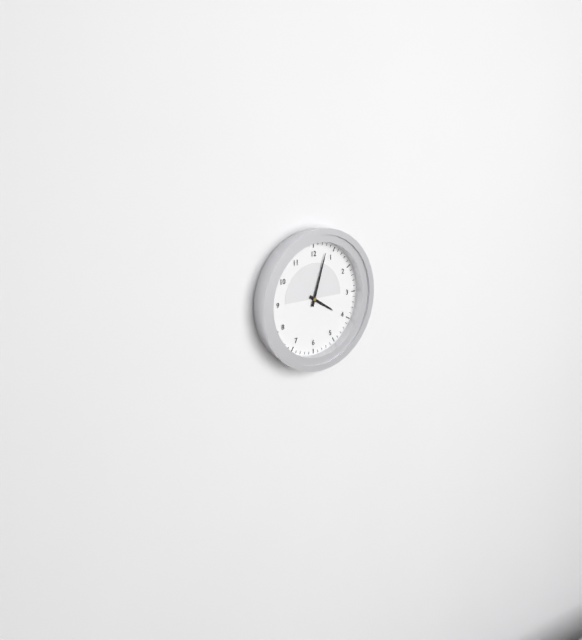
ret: **4:03**
